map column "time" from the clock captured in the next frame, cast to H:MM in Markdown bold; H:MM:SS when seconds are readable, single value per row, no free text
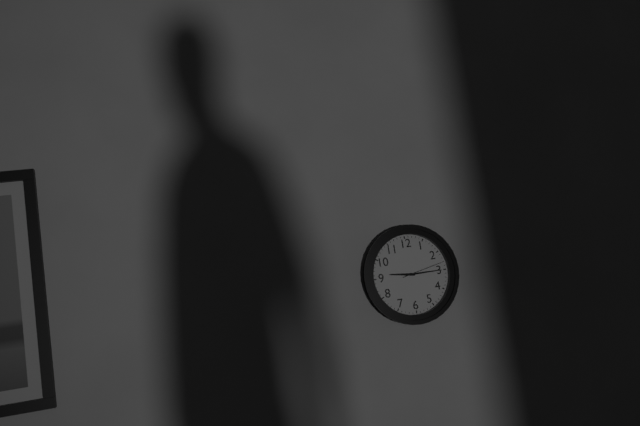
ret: **9:15**
